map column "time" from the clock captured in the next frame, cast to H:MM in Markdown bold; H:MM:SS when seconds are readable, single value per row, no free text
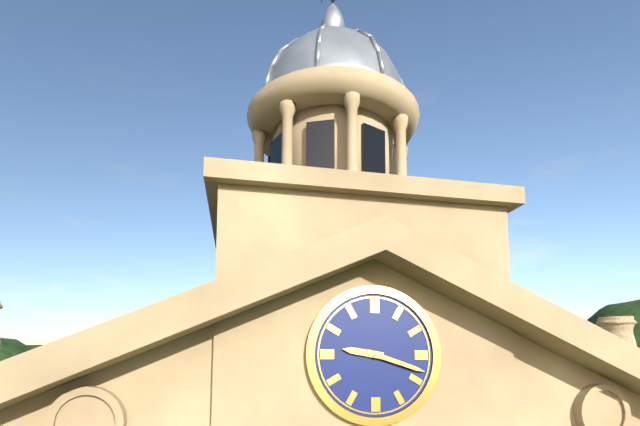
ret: **9:18**
